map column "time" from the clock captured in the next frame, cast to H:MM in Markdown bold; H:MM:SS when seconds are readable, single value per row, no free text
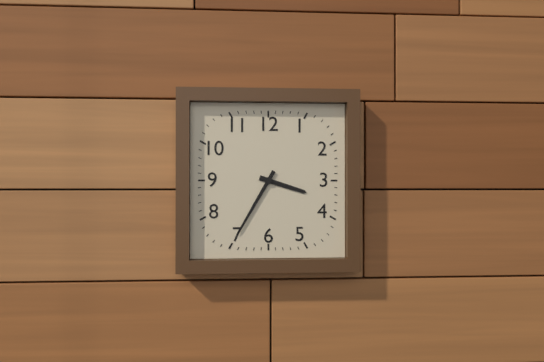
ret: **3:35**
